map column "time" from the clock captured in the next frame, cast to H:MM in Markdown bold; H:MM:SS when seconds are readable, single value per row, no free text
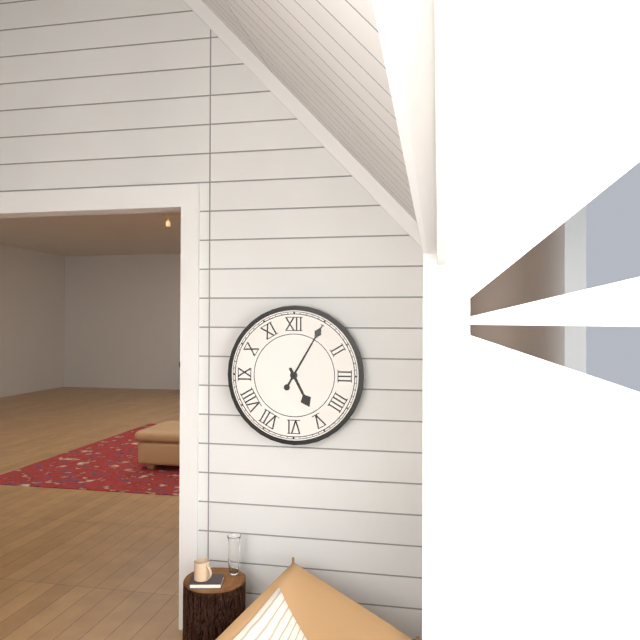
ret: **5:05**
